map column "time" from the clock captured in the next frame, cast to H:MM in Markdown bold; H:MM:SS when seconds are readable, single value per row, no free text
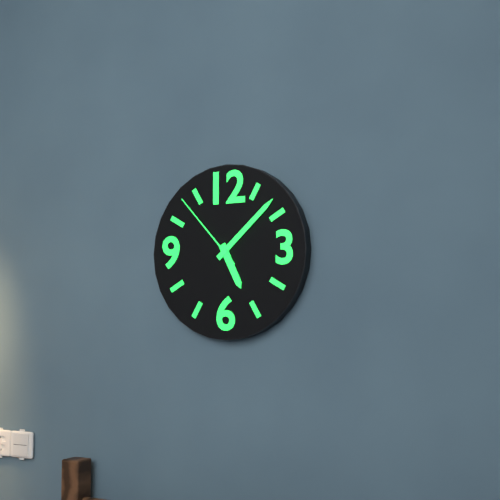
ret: **5:08:53**
